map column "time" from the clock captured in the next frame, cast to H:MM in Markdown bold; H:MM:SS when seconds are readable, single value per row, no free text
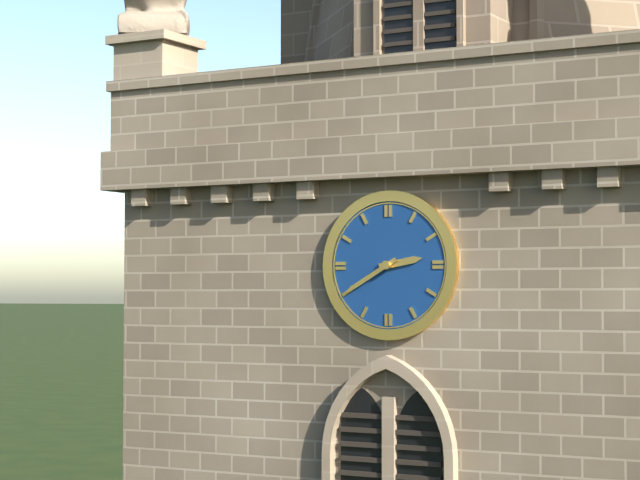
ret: **2:40**
